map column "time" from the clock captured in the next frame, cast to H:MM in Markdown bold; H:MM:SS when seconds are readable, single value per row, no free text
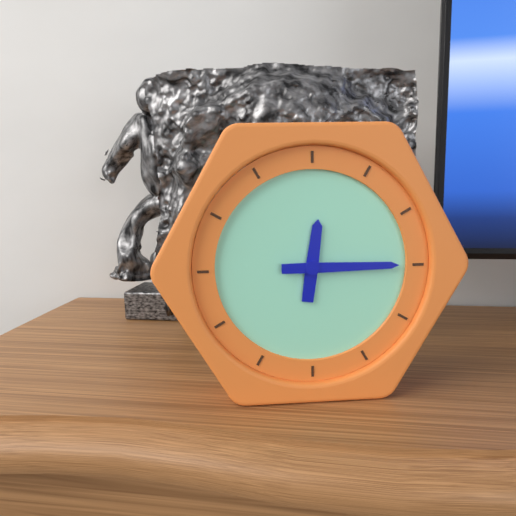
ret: **12:15**
